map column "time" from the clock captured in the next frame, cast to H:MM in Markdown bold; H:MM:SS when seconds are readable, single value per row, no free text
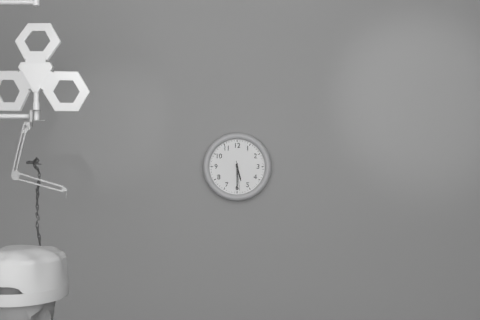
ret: **5:30**
